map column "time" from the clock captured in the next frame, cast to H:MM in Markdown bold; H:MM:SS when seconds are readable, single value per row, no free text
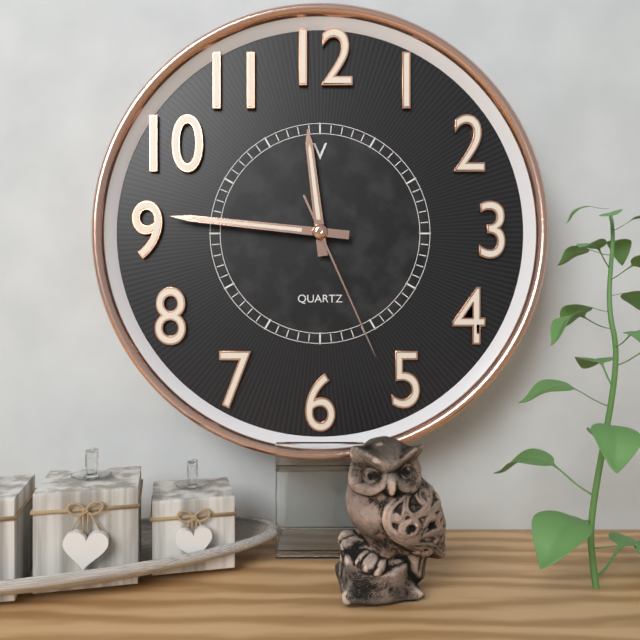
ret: **11:46:26**
